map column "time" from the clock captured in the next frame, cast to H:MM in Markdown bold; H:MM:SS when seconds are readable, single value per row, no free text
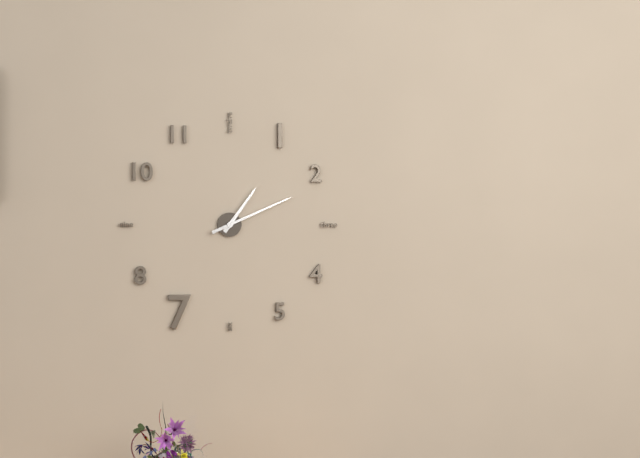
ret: **1:11**
